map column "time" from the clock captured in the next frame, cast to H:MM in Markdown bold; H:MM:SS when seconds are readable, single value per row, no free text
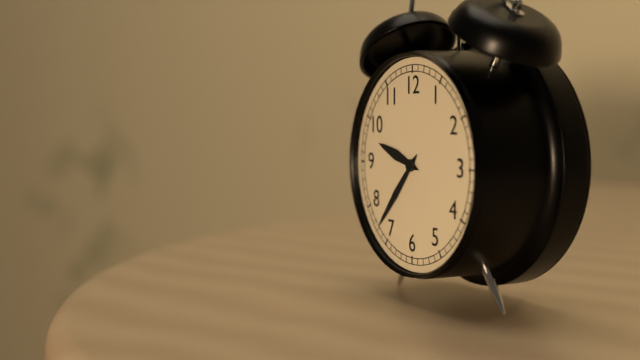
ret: **9:37**
